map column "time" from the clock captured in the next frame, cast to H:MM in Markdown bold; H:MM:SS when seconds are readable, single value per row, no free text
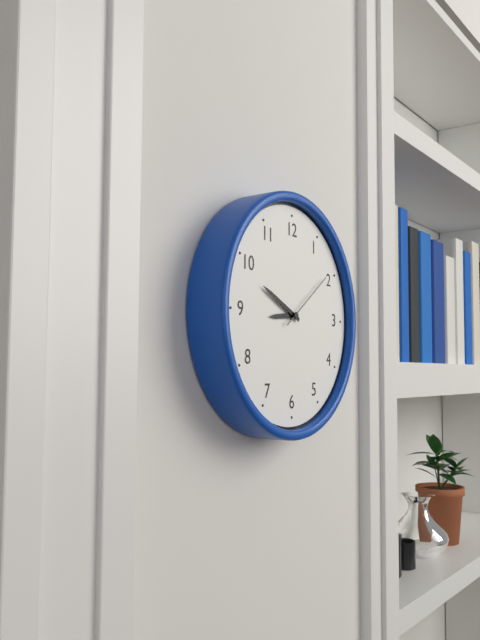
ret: **8:49:09**
